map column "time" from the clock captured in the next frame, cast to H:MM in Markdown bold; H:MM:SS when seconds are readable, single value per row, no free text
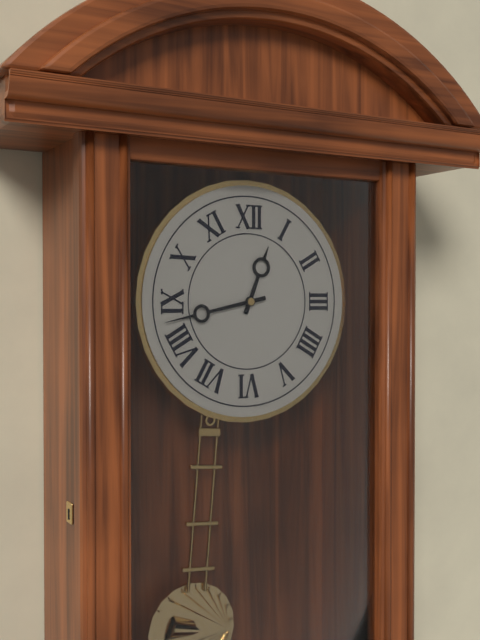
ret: **12:43**
